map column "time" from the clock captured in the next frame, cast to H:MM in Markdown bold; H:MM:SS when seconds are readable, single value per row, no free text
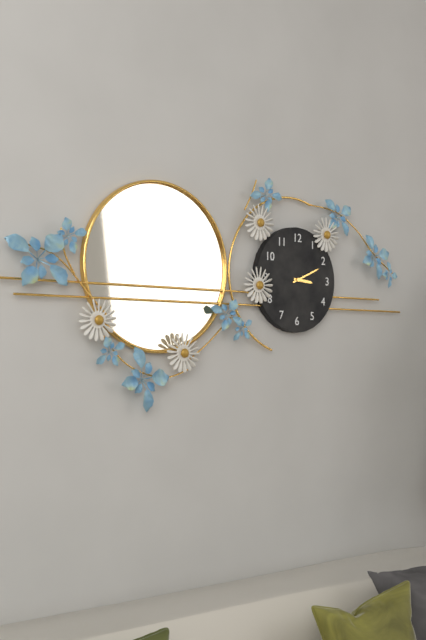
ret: **3:11**
